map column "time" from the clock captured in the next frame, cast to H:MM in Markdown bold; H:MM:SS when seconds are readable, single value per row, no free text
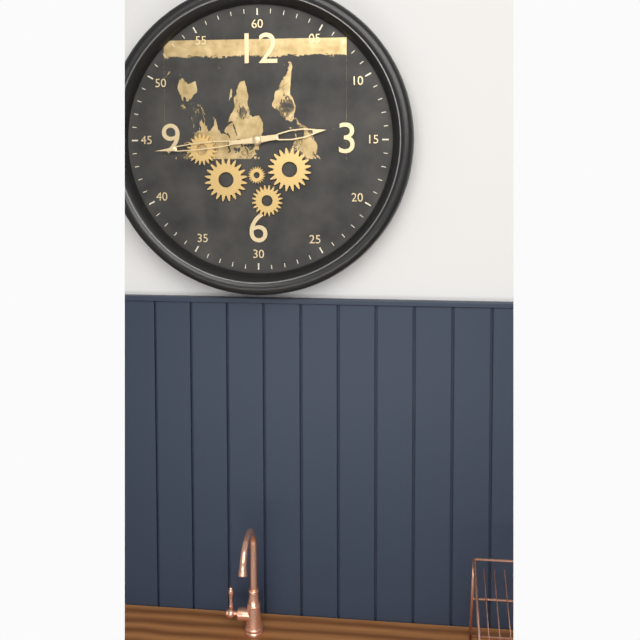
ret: **2:44**
